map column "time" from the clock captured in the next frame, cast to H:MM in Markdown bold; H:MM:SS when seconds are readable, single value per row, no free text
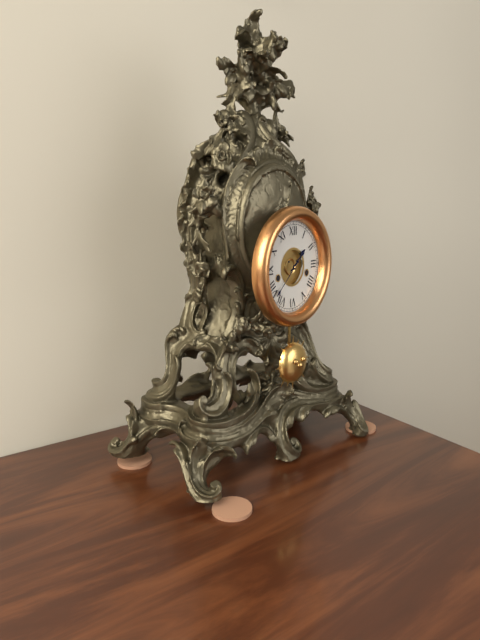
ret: **1:38**
